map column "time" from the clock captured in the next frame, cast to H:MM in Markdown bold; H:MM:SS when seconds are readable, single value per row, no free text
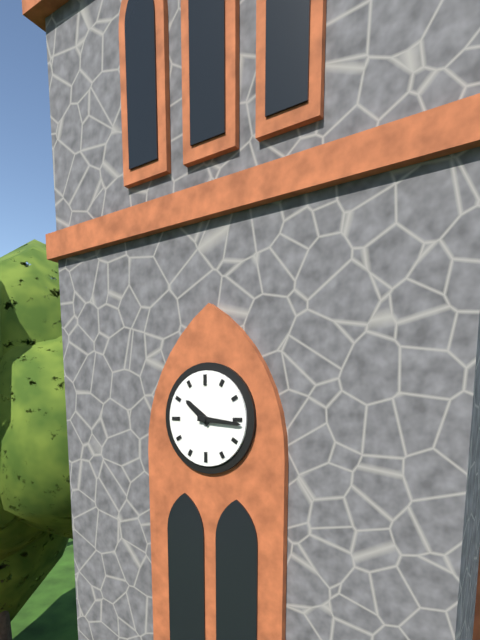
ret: **10:16**
